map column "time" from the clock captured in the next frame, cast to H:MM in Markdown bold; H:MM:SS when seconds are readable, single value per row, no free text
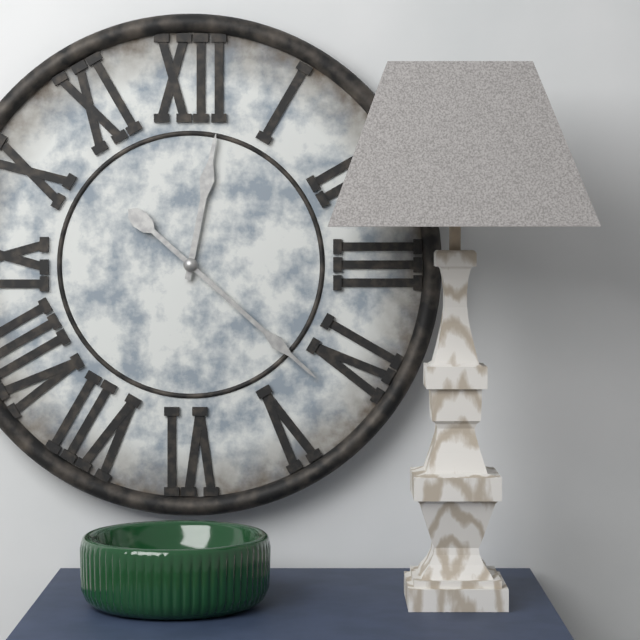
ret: **12:22**
